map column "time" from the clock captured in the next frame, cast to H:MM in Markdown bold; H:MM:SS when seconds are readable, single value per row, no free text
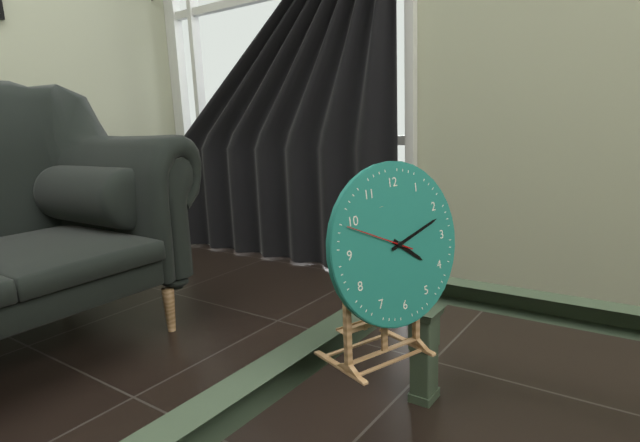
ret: **4:12:49**
